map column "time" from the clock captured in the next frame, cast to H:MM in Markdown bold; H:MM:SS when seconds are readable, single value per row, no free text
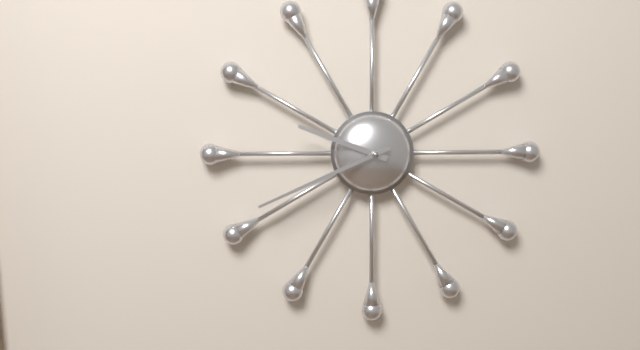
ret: **9:41**
